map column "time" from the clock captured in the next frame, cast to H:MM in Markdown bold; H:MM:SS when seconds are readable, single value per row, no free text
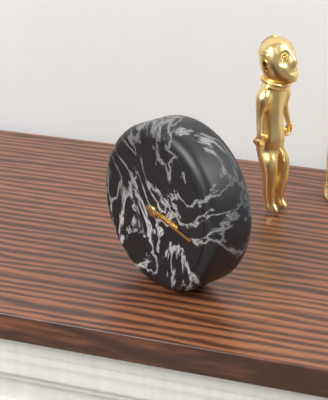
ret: **3:17**
